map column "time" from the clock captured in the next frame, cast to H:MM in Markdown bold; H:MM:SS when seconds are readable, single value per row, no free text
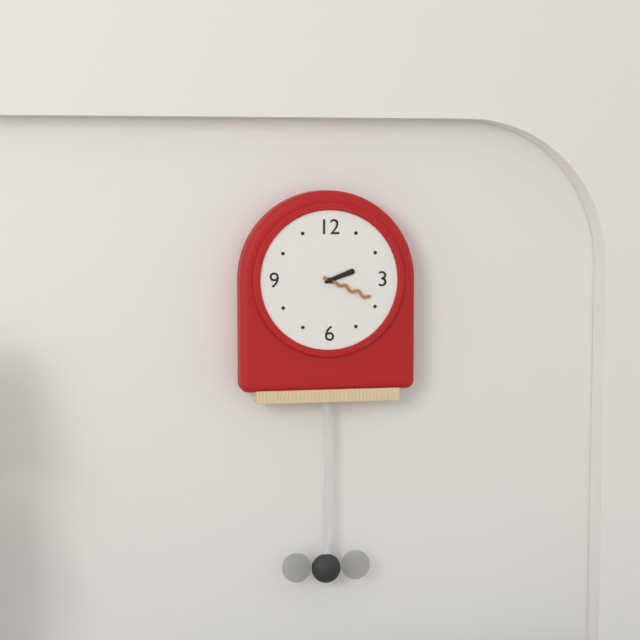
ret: **2:19**
